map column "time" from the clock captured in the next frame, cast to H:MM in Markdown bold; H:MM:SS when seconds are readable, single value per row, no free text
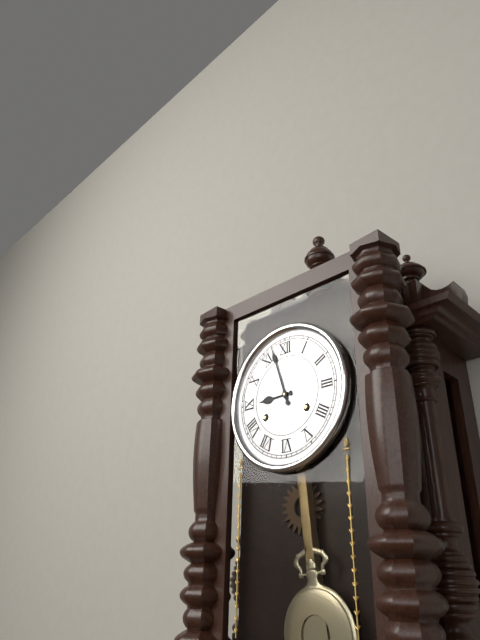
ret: **8:57**
